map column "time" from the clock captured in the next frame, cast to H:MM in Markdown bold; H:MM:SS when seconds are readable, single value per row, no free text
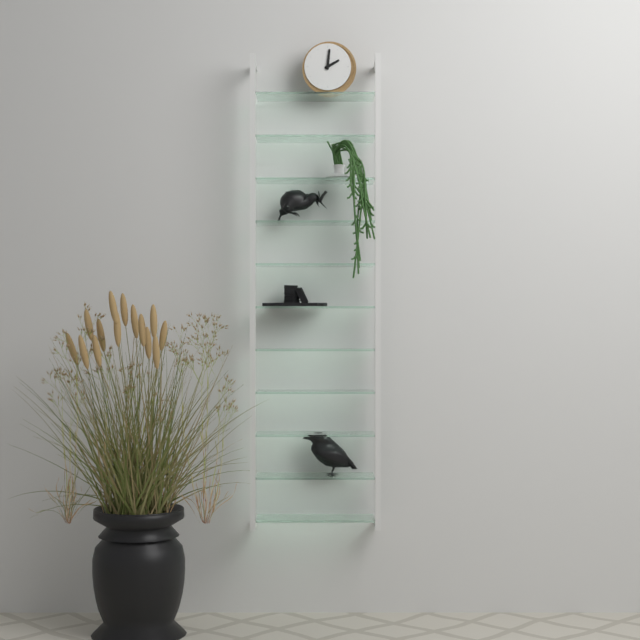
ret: **2:01**
